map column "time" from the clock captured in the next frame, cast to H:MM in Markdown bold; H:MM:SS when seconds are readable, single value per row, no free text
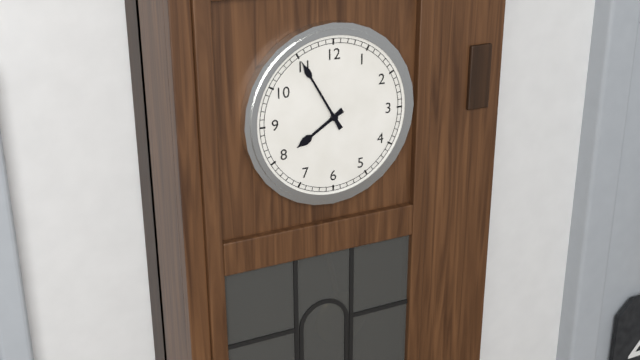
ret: **7:55**
